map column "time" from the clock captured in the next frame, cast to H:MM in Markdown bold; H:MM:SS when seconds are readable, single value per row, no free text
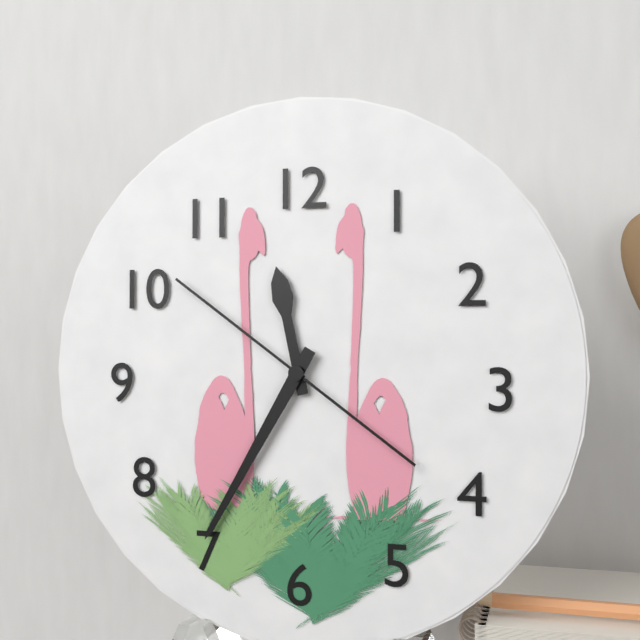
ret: **11:35:51**
